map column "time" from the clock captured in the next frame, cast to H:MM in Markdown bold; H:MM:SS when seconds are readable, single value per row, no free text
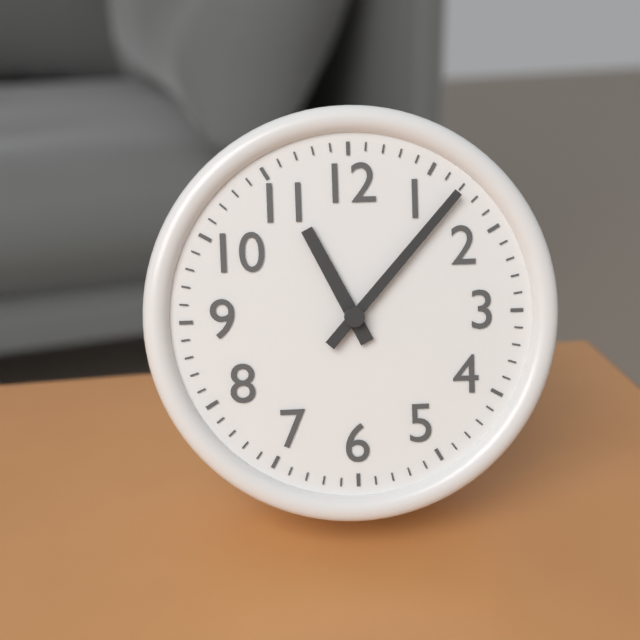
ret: **11:07**
